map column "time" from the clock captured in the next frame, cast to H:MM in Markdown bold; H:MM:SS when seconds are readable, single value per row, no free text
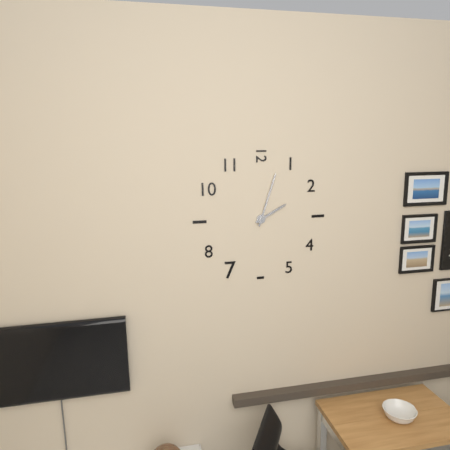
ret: **2:03**
